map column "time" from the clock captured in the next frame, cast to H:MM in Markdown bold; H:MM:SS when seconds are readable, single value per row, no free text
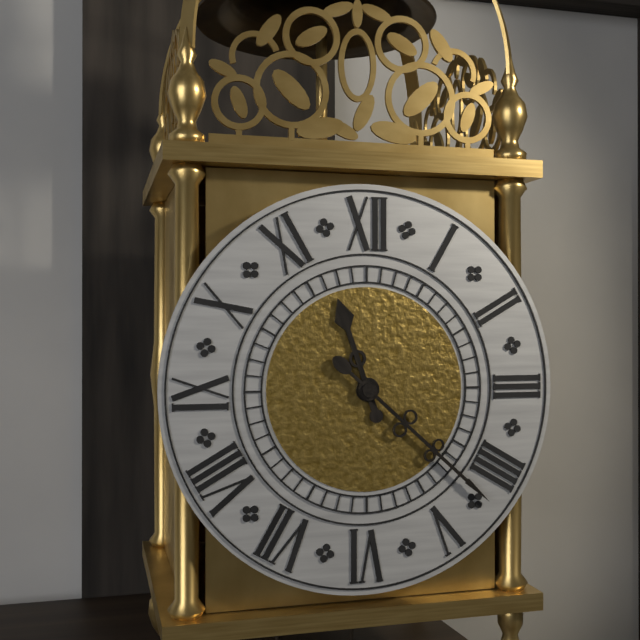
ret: **11:22**
